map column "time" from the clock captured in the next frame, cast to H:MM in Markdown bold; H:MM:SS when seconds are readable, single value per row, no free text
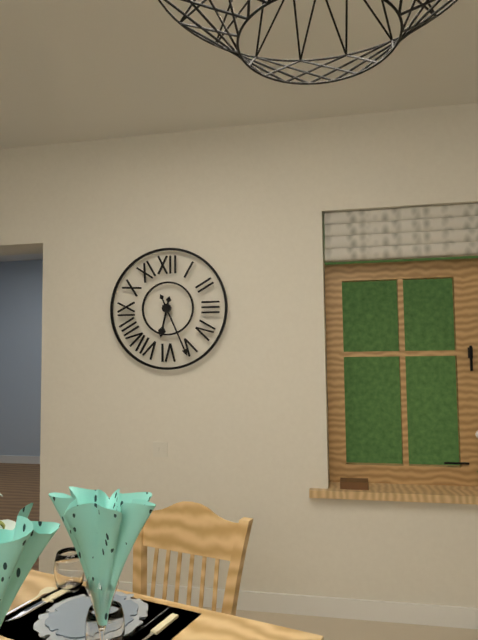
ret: **6:26**
